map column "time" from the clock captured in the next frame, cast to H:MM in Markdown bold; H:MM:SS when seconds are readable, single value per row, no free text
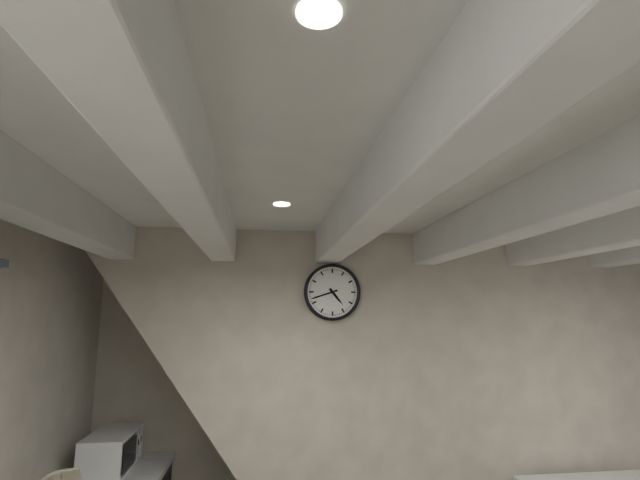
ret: **4:42**
